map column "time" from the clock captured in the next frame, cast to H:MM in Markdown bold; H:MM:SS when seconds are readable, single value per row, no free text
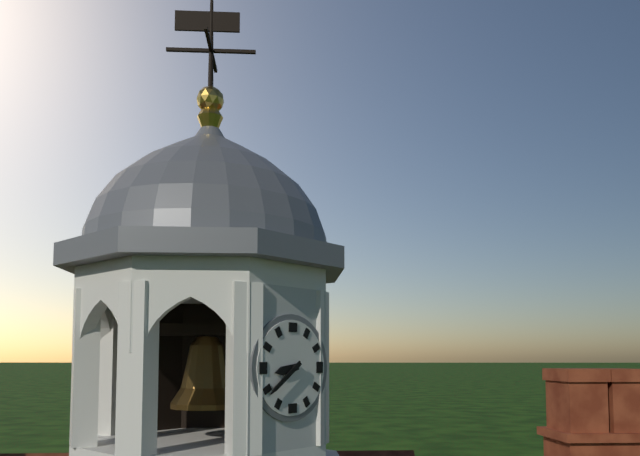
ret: **8:39**
